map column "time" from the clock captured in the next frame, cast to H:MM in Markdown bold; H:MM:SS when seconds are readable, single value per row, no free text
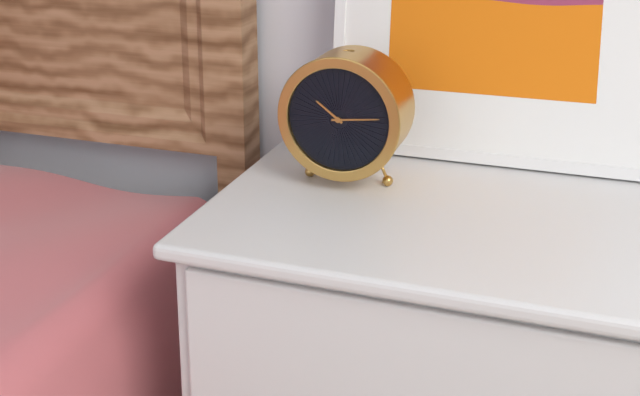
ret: **10:14**
